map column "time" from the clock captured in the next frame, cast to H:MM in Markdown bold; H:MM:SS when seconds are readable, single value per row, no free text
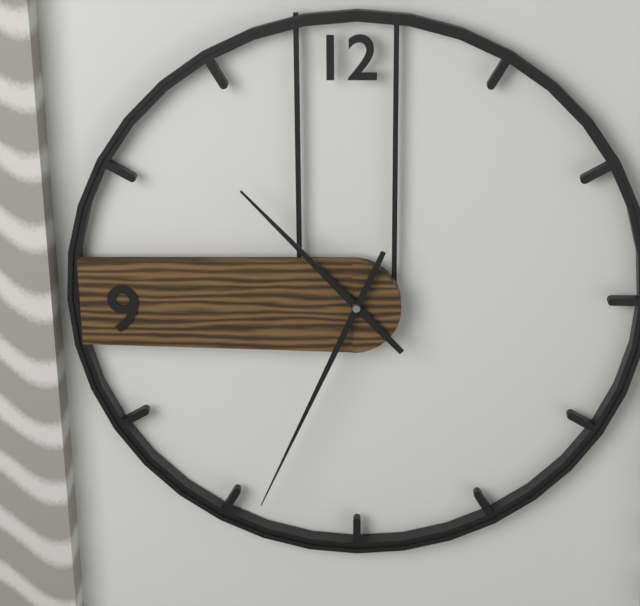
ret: **10:34**
